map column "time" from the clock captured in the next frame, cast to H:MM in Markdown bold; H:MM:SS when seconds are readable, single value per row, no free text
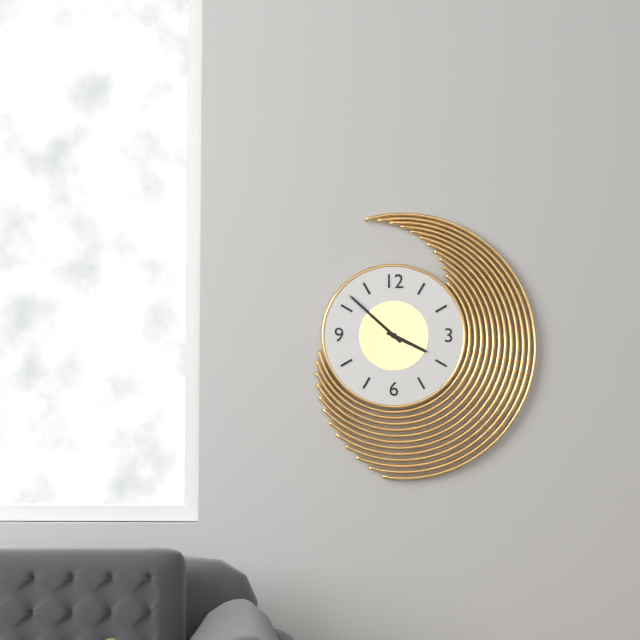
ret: **3:52**
